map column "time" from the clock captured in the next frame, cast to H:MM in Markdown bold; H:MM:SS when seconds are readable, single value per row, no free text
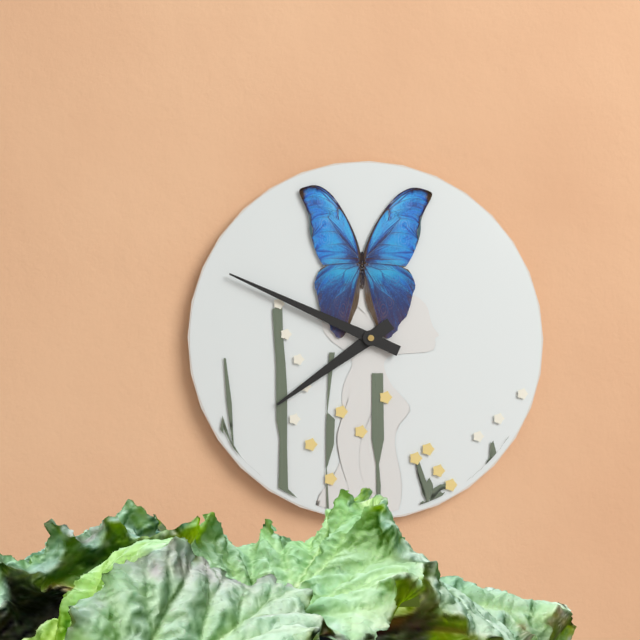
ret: **7:49**
